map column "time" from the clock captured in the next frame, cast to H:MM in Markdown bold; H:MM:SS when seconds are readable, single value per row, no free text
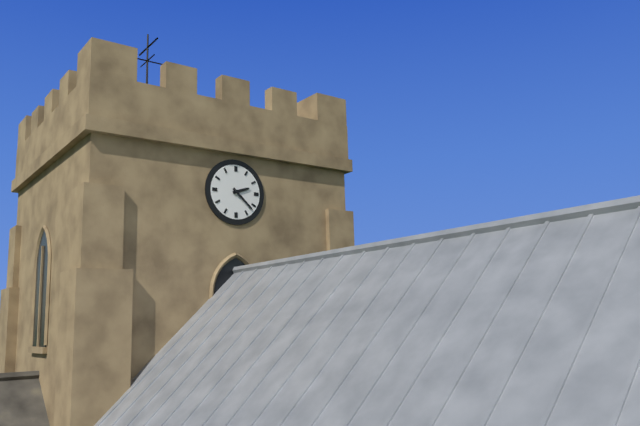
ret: **2:22**
